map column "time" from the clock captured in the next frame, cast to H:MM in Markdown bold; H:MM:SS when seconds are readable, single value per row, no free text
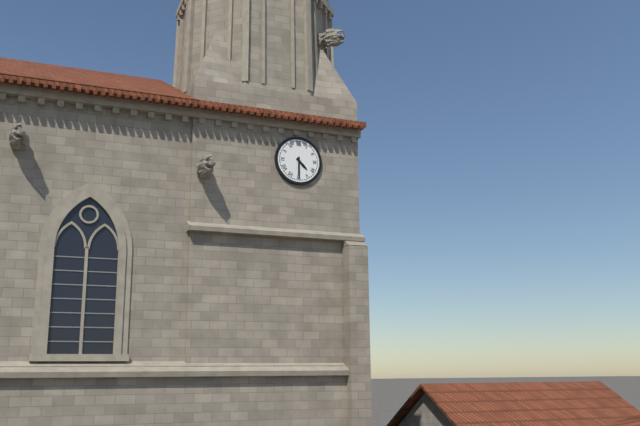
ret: **4:30**
